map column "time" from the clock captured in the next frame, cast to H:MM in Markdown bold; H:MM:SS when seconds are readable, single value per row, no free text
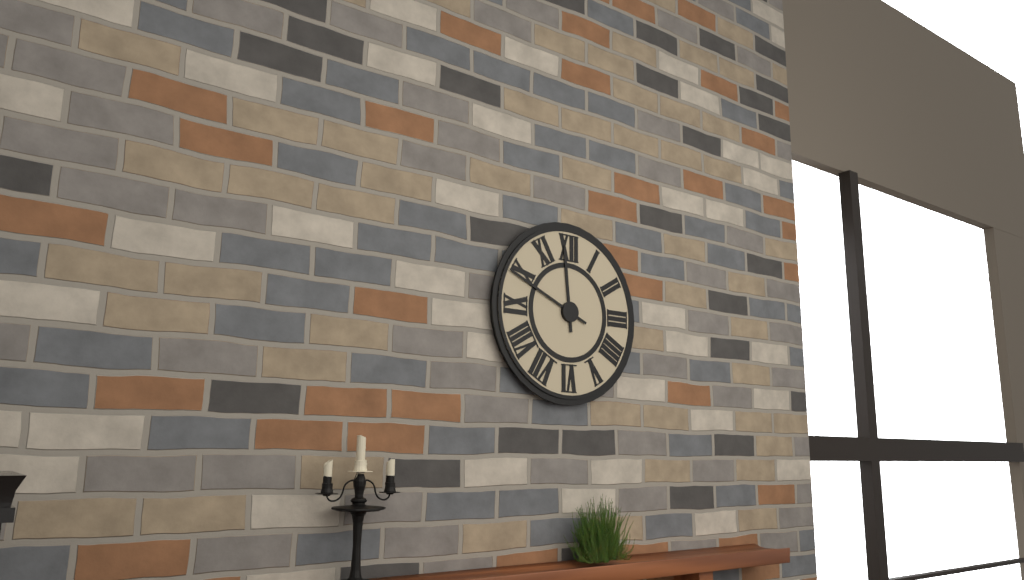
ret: **11:49**
